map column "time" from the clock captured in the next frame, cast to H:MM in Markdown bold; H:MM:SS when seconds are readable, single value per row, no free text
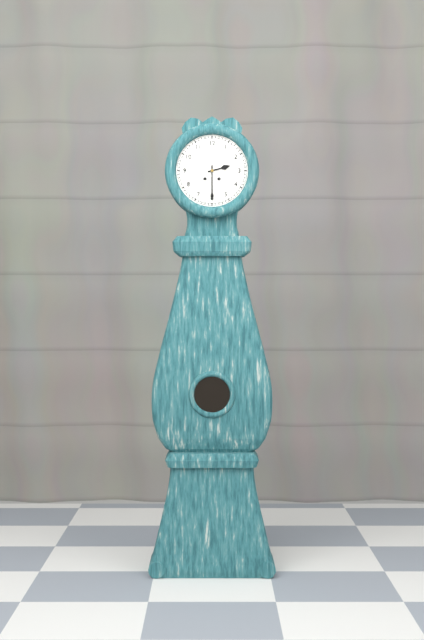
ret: **2:30**
